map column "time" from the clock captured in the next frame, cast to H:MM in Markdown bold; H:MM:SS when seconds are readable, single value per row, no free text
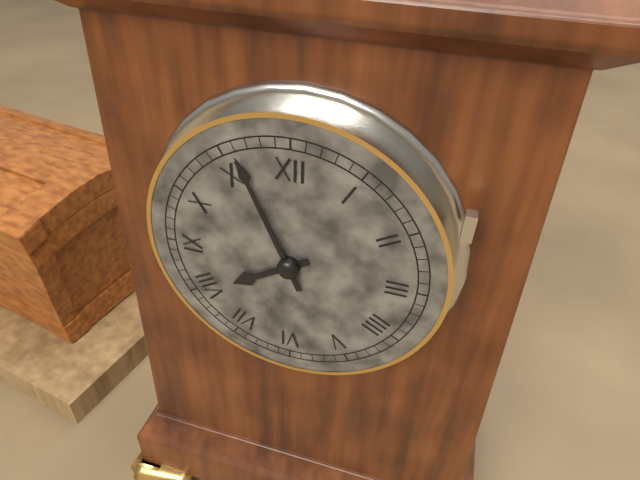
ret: **7:56**
